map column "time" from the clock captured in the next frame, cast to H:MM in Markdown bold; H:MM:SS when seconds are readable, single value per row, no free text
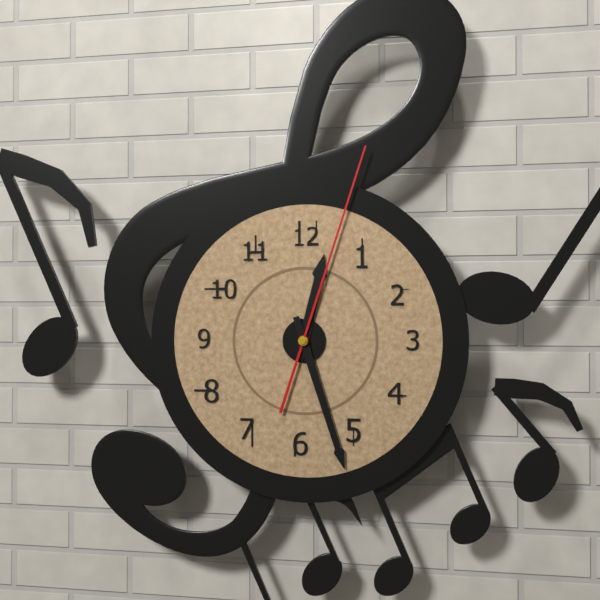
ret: **12:27:03**
